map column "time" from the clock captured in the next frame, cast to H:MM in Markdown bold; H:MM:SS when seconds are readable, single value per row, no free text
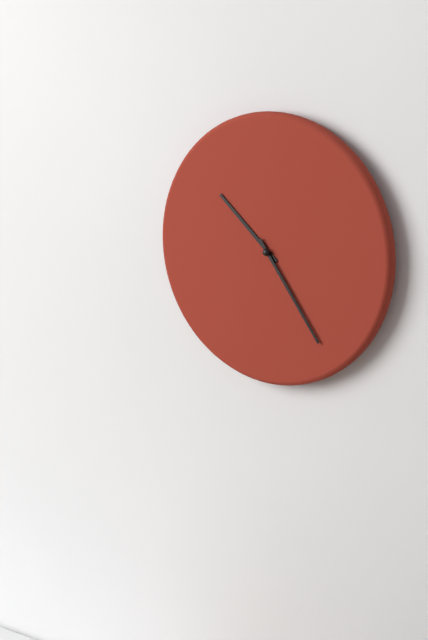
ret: **10:24**
